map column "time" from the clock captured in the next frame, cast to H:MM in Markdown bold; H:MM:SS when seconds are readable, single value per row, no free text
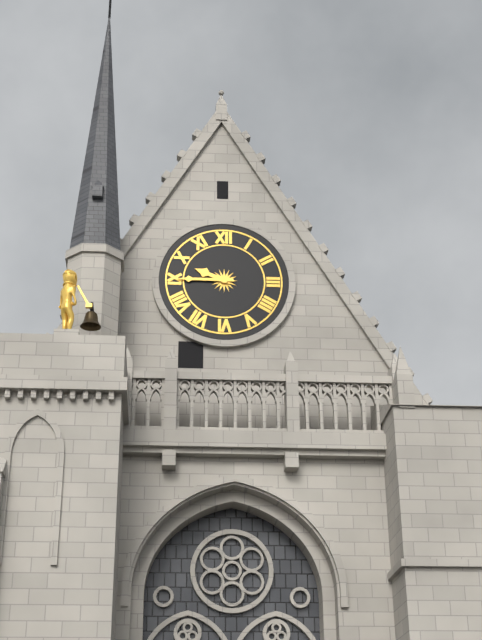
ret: **9:45**
